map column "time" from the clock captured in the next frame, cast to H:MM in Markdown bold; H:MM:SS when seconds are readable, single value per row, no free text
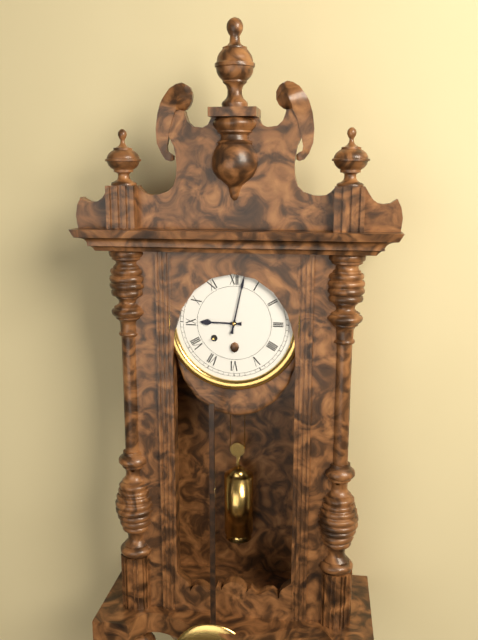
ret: **9:02**
